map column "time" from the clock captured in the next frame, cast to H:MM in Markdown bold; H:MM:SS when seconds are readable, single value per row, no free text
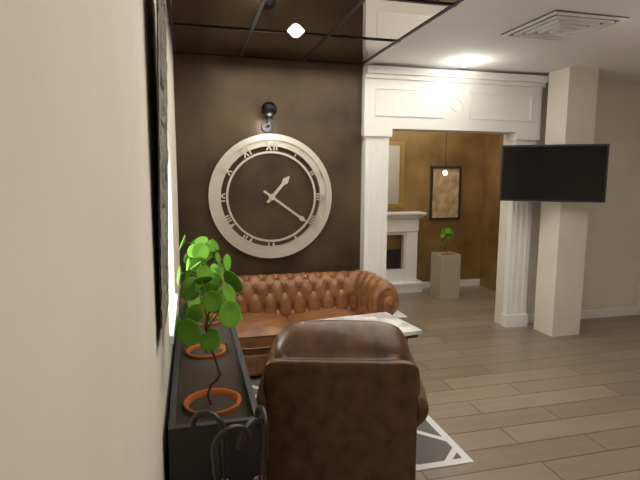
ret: **1:21**
